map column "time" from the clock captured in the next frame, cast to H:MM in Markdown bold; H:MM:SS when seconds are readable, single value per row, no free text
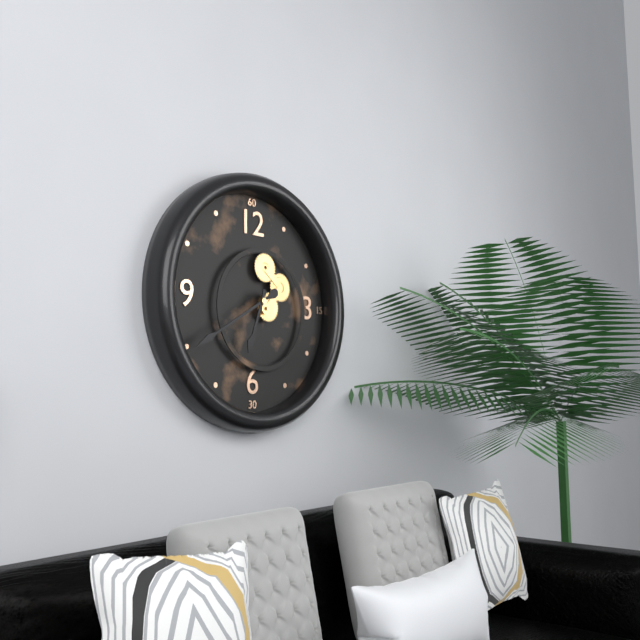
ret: **6:40**
